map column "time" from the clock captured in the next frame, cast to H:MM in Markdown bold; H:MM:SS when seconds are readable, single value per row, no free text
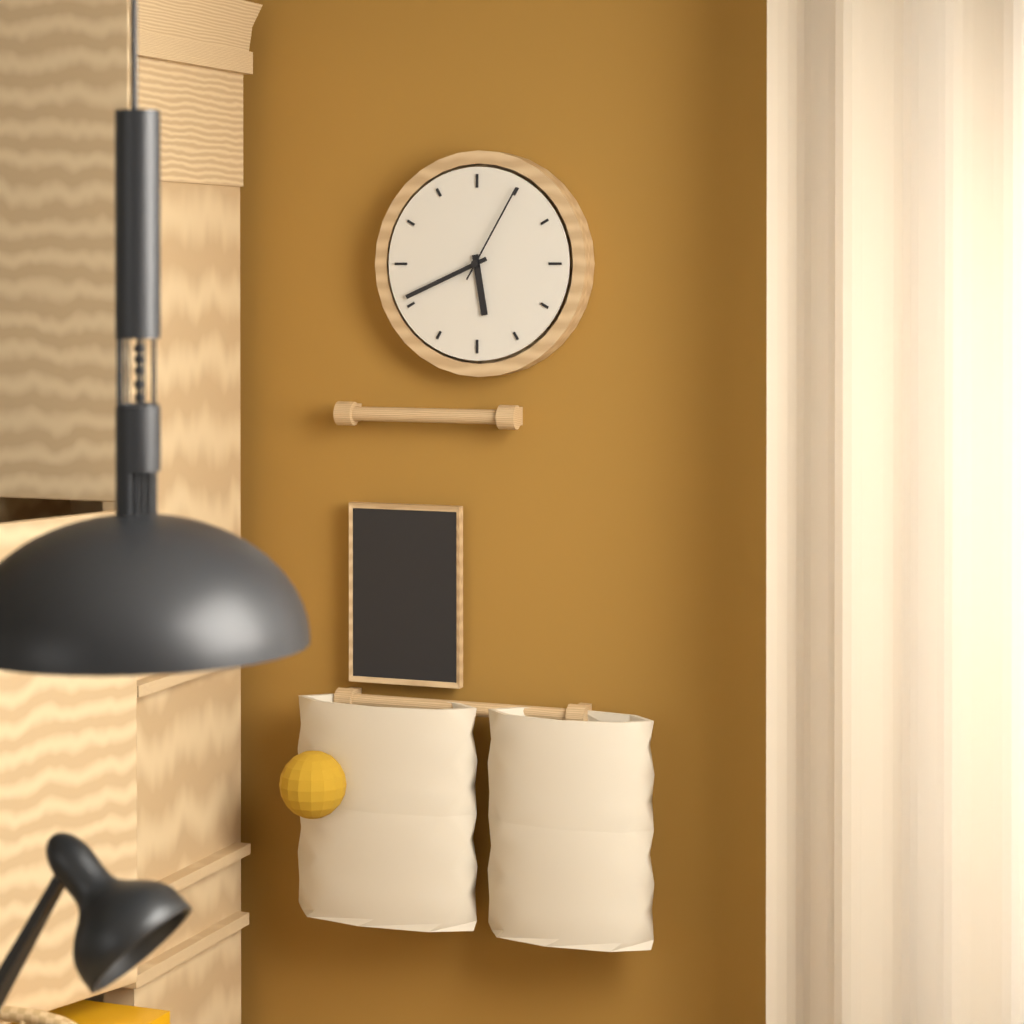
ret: **5:41:05**
